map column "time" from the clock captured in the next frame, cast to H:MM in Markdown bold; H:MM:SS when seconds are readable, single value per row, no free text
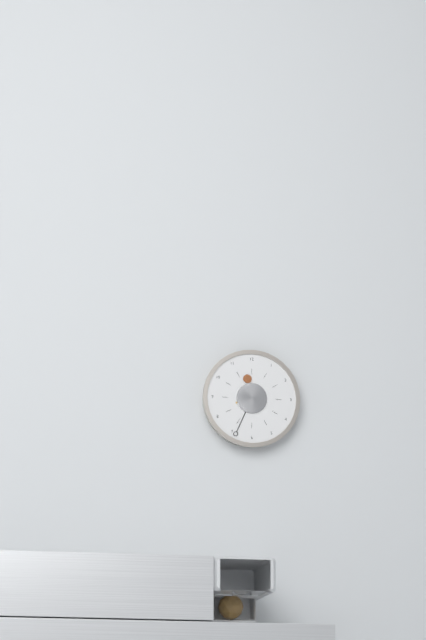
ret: **11:34**
